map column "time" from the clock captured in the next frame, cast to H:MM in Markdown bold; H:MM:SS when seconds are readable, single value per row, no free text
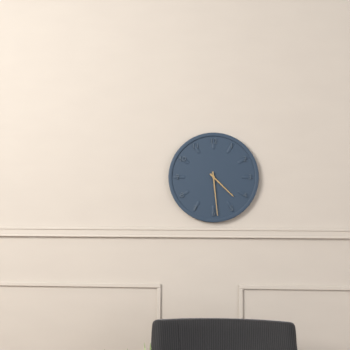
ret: **4:29**
